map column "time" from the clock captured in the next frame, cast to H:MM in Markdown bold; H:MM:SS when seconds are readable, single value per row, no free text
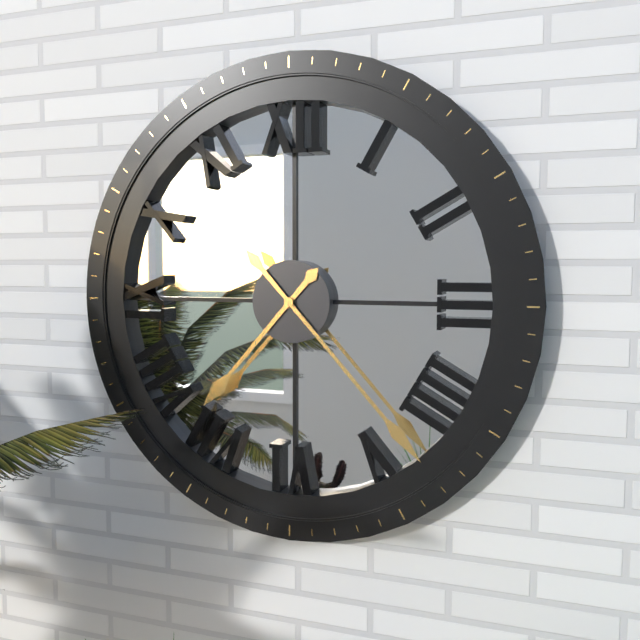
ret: **7:23**
